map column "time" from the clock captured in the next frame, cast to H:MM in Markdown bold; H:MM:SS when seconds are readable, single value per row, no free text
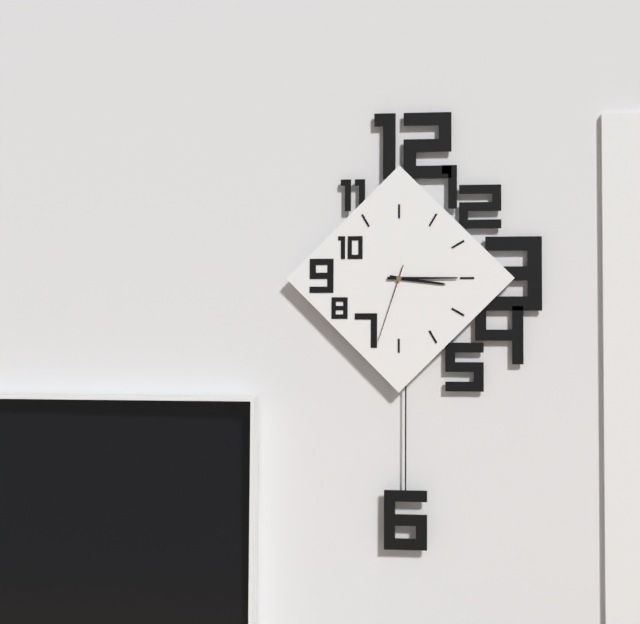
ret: **3:15:33**
